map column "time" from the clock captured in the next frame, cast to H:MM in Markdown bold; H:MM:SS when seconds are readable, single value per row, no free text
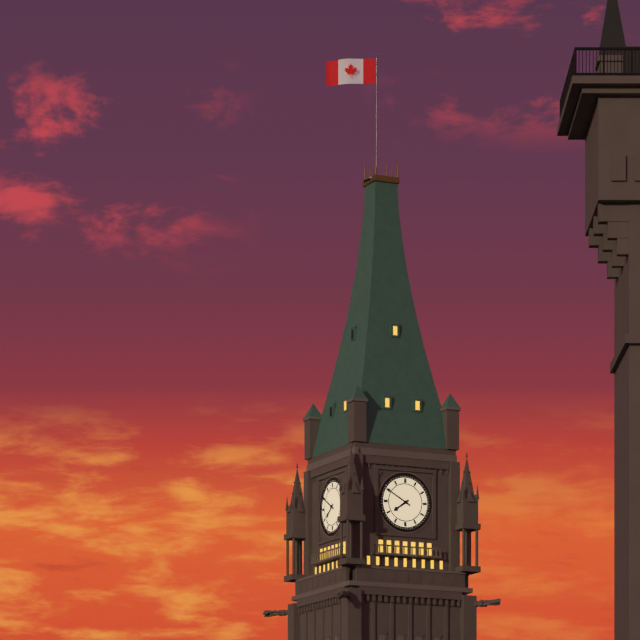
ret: **7:50**
